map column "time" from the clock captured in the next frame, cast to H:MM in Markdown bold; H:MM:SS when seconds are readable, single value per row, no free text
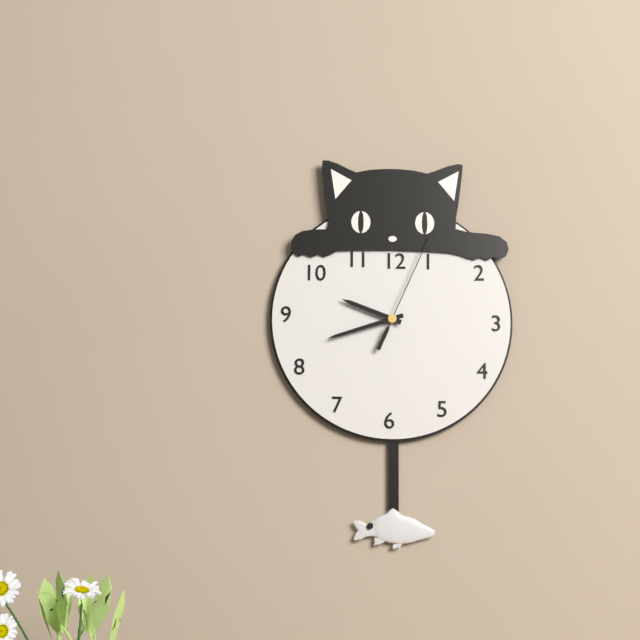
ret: **9:42:04**
